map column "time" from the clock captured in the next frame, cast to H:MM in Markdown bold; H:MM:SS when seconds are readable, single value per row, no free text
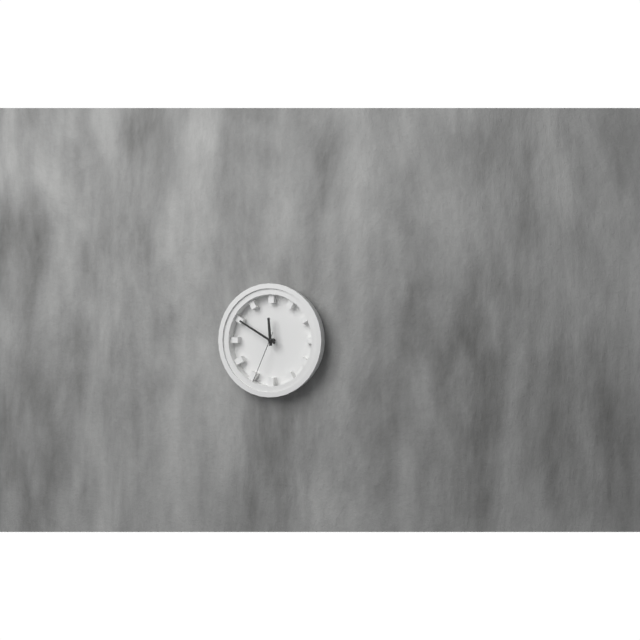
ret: **11:50:34**
